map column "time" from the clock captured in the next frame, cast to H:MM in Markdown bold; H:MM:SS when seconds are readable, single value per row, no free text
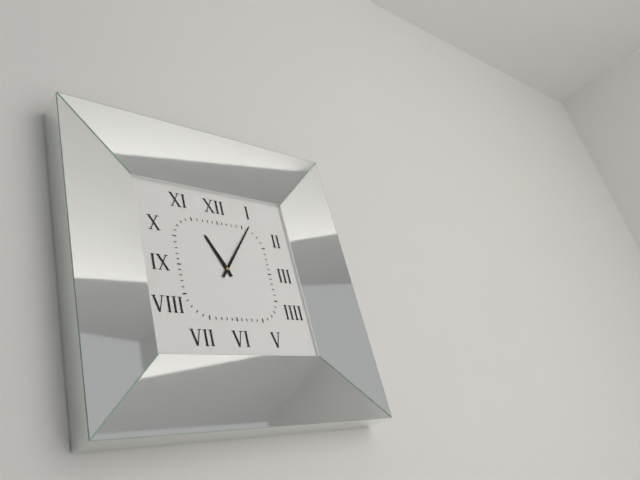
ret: **11:06**
